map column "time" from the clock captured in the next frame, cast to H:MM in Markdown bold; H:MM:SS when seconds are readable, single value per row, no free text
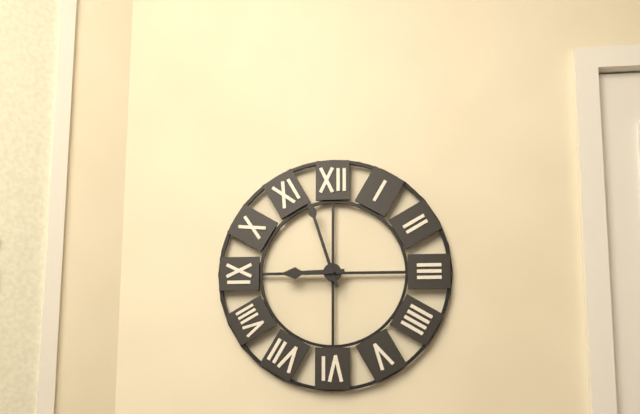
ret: **8:57**
